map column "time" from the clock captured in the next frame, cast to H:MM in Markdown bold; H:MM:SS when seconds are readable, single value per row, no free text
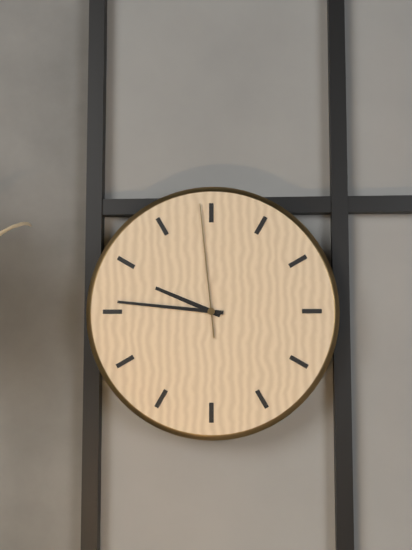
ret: **9:46:59**
